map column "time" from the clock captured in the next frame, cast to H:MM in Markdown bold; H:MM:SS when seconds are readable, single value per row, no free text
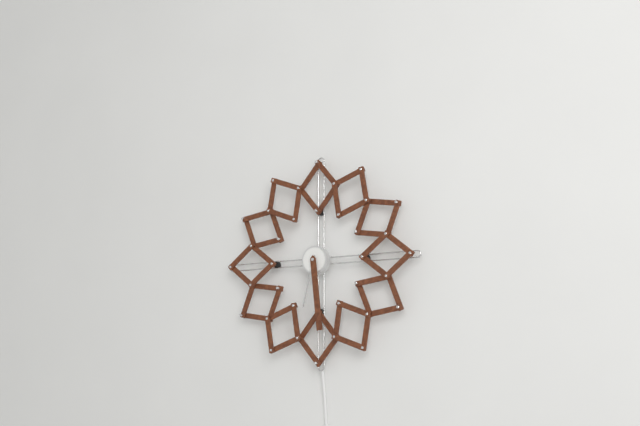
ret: **6:29**
